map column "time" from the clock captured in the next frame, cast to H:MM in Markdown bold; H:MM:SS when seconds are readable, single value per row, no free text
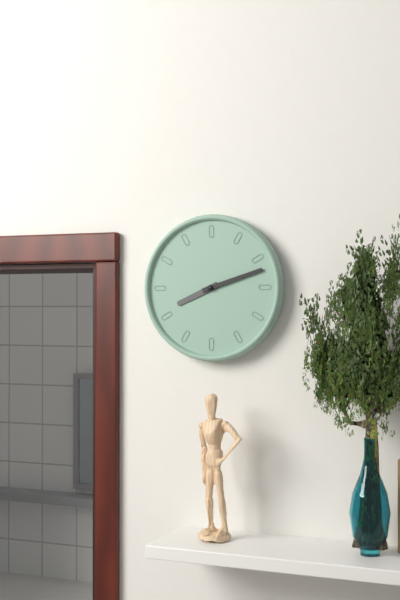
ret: **8:12**
